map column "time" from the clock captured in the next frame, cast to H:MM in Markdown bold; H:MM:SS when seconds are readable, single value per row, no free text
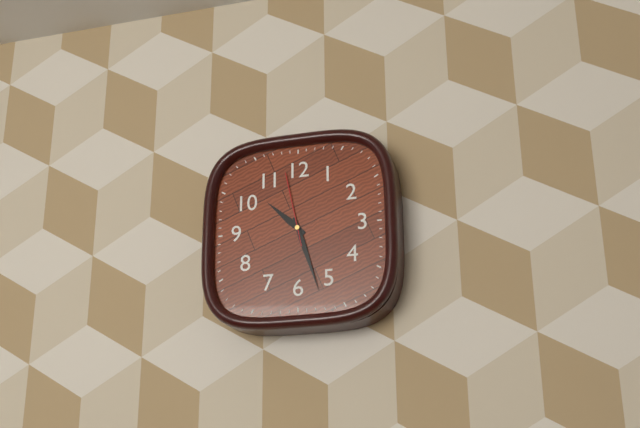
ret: **10:27:58**
